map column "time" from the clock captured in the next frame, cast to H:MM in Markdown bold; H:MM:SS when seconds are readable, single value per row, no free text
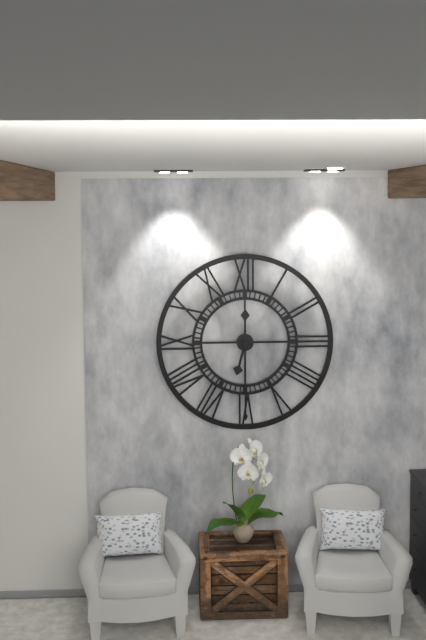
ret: **6:30**
